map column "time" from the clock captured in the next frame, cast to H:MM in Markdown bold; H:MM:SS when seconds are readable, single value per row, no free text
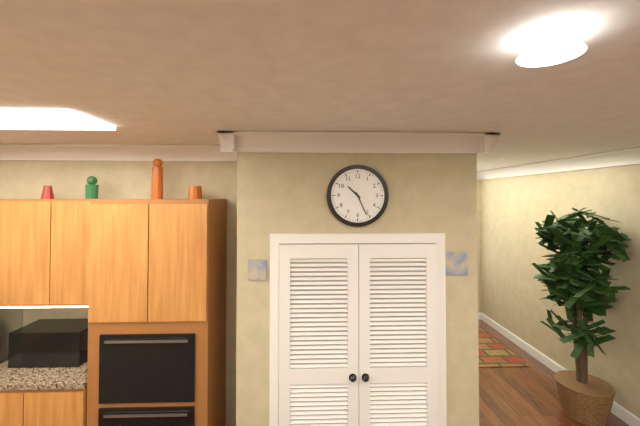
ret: **10:26**
